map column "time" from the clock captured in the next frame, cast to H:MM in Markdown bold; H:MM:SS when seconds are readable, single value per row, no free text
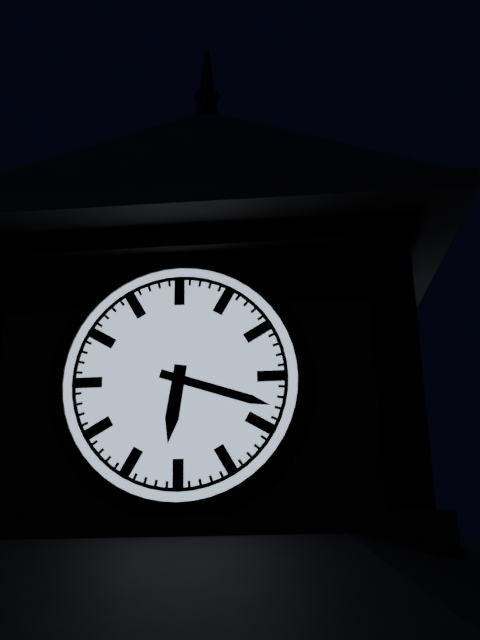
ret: **6:18**
